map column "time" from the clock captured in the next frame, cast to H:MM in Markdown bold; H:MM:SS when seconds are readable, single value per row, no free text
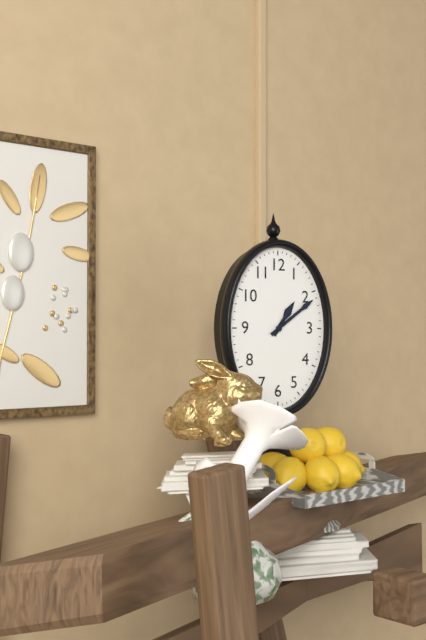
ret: **1:09**
